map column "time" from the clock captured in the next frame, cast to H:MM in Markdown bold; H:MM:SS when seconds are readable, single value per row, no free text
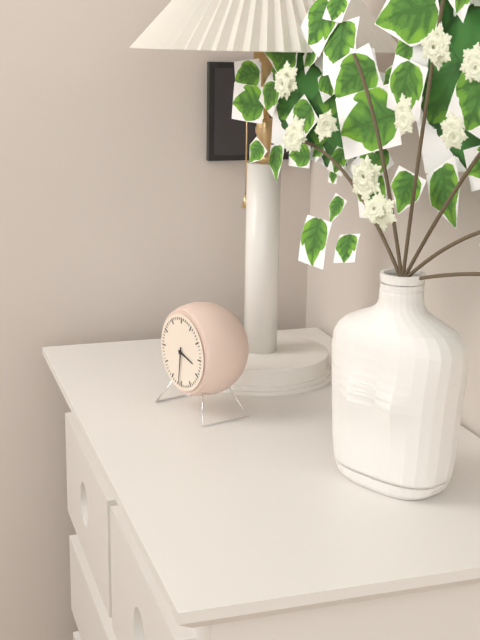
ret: **3:31**
